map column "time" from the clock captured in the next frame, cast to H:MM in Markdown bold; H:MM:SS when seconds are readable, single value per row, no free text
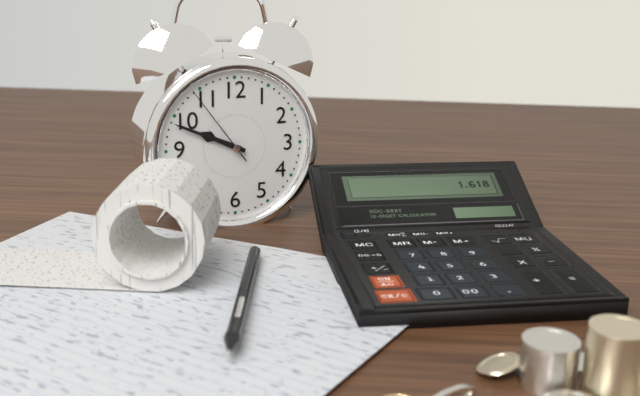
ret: **9:49:54**
